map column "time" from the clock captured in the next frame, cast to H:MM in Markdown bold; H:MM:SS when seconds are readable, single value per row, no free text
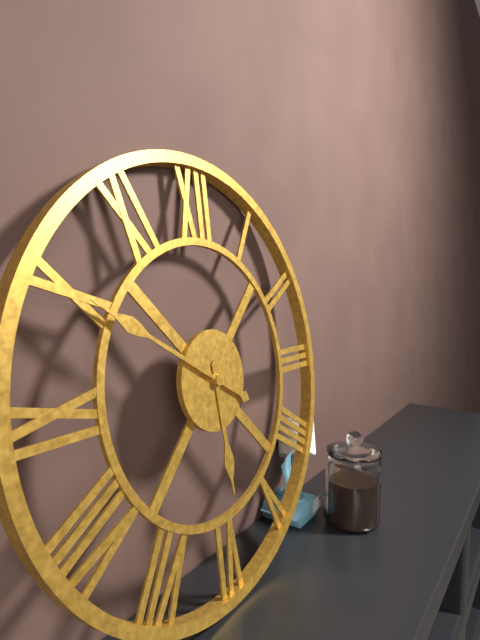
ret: **5:50**
